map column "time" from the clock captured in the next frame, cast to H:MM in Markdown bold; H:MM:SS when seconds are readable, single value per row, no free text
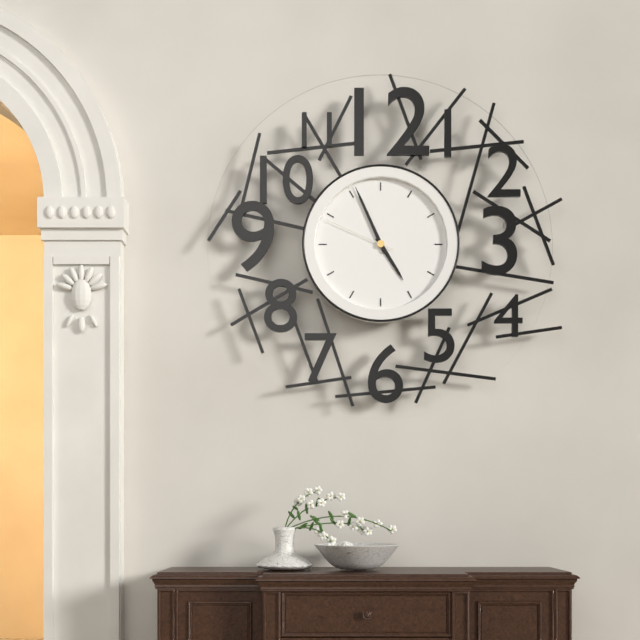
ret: **4:56:49**
